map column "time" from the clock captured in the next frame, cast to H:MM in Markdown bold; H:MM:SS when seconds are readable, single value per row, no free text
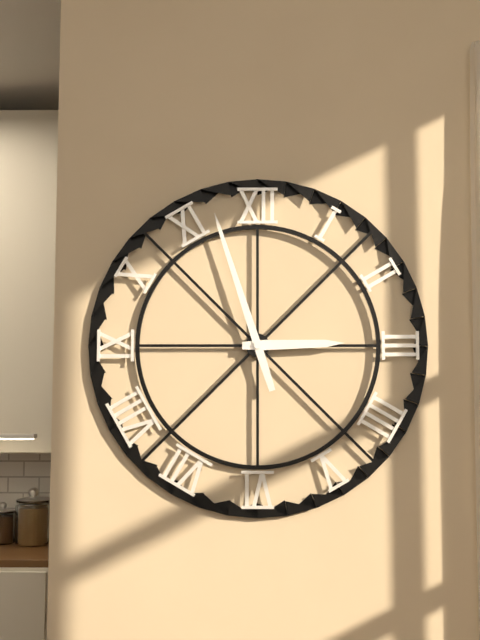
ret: **2:57**
